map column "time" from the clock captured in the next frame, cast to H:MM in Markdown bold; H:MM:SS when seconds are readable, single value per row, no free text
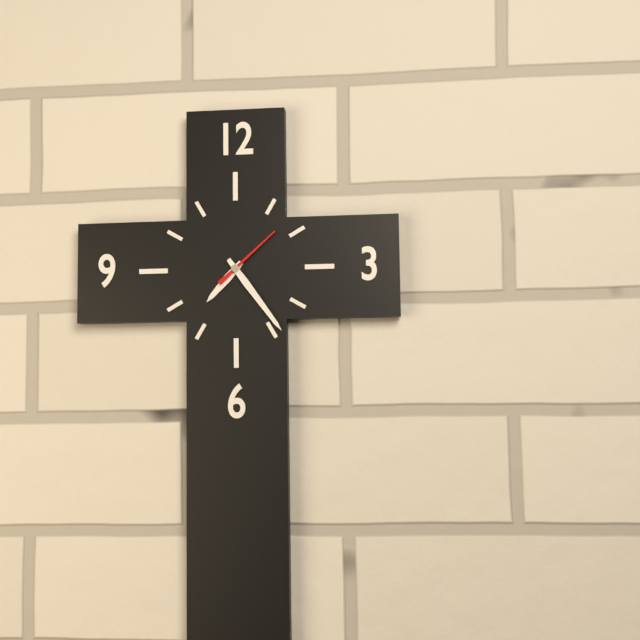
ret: **7:24:08**
